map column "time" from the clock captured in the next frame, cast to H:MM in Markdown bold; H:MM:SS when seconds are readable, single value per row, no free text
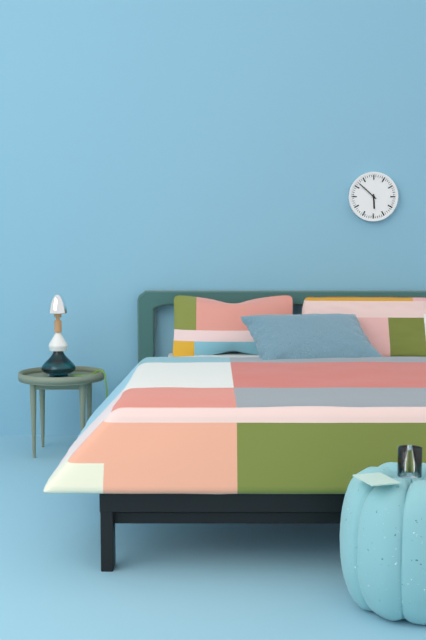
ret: **5:52**
